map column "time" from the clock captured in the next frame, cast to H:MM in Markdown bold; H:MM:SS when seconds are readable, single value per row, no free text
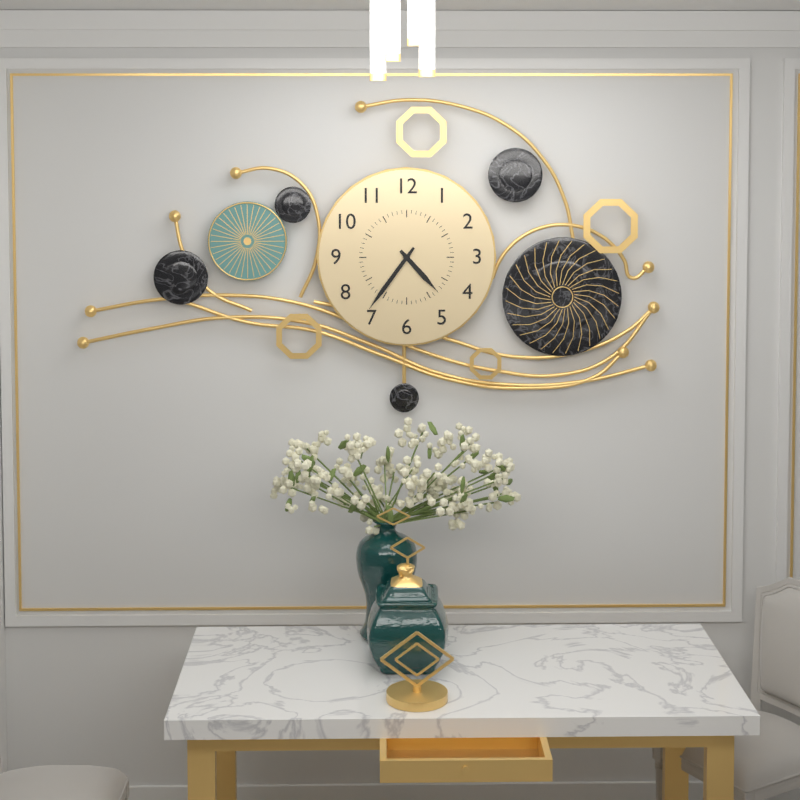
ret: **4:36**
